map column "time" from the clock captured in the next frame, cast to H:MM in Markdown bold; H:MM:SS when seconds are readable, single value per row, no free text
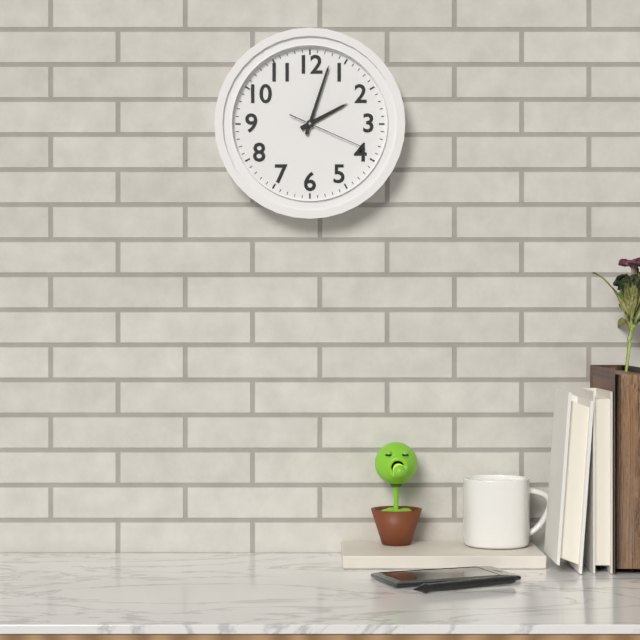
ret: **2:03:19**
